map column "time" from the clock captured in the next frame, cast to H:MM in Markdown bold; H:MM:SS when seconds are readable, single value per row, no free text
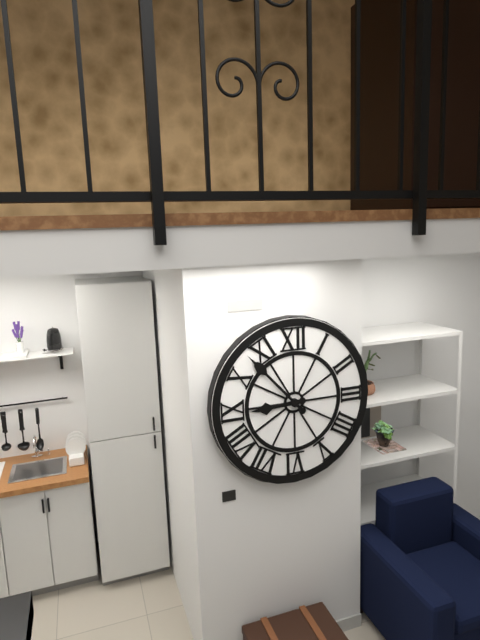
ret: **8:53**
